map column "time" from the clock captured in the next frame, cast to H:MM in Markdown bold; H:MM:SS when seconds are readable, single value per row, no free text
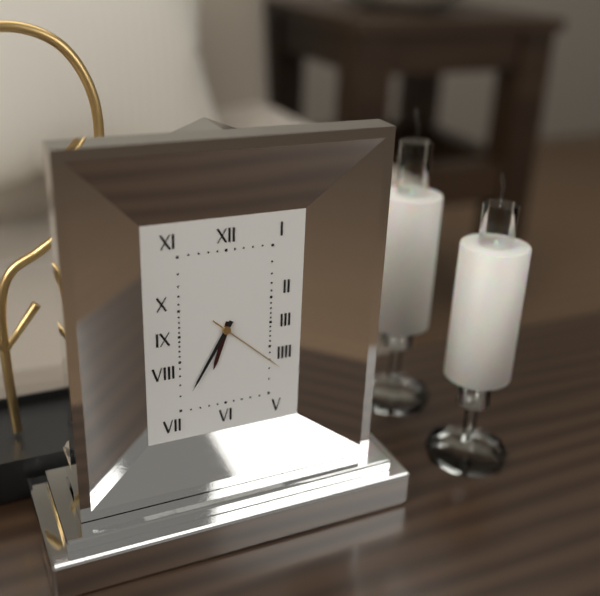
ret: **6:35:22**
